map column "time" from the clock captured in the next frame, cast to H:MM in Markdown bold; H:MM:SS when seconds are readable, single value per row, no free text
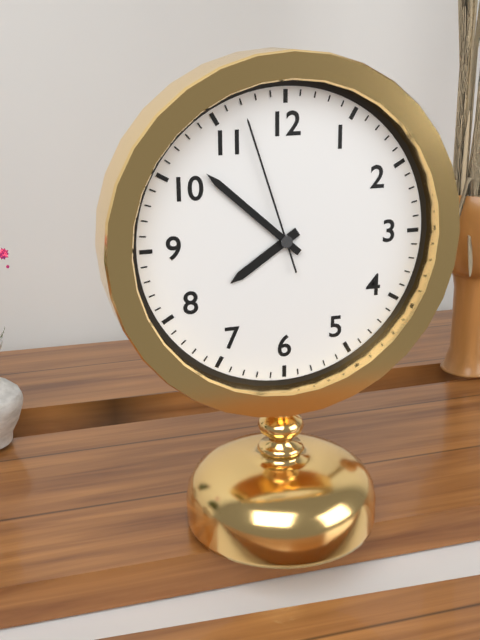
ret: **7:52:57**
